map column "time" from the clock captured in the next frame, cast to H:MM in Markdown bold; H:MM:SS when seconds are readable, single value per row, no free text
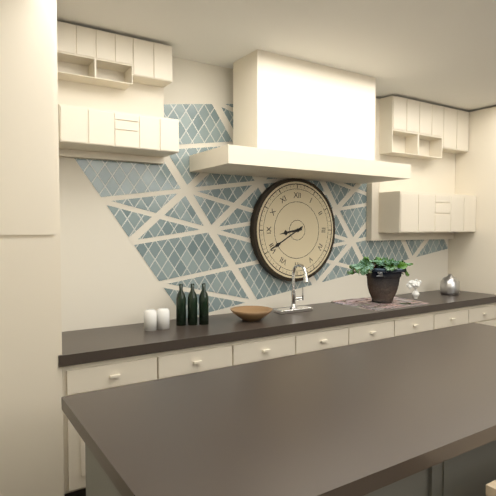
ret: **8:40**
